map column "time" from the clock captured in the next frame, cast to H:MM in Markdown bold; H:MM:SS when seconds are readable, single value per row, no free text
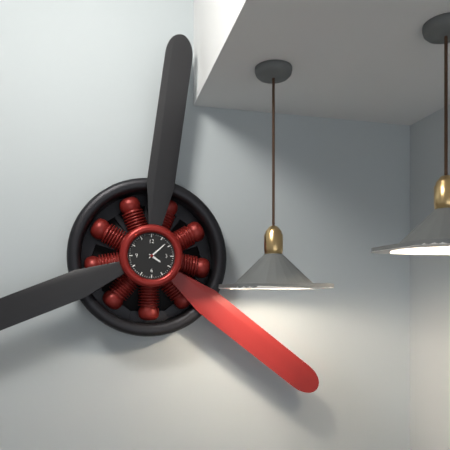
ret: **4:08**
